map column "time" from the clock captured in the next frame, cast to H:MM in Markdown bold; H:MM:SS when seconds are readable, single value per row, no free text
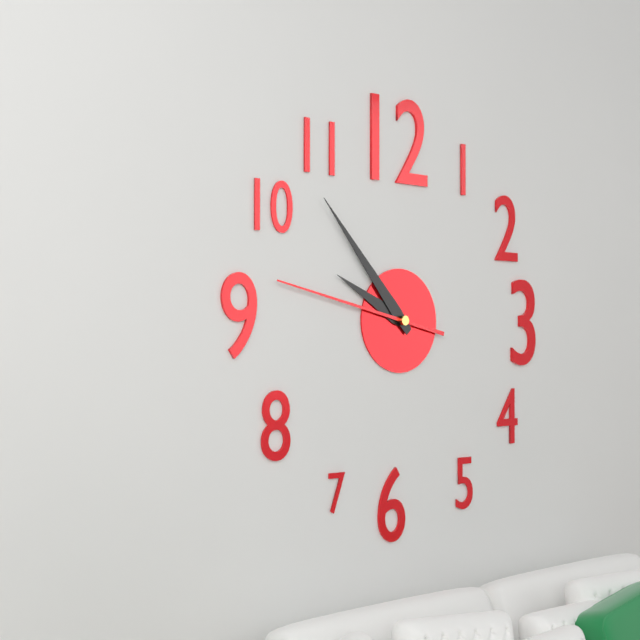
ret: **9:53:47**
